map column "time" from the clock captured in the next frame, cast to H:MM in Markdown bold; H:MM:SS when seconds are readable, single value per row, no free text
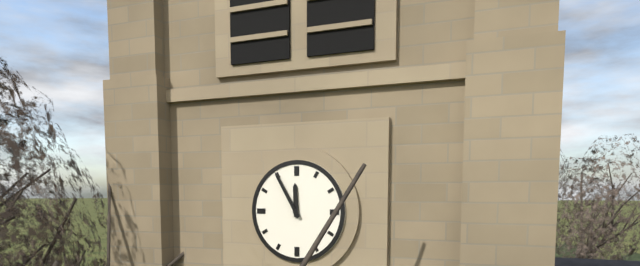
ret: **11:55**
